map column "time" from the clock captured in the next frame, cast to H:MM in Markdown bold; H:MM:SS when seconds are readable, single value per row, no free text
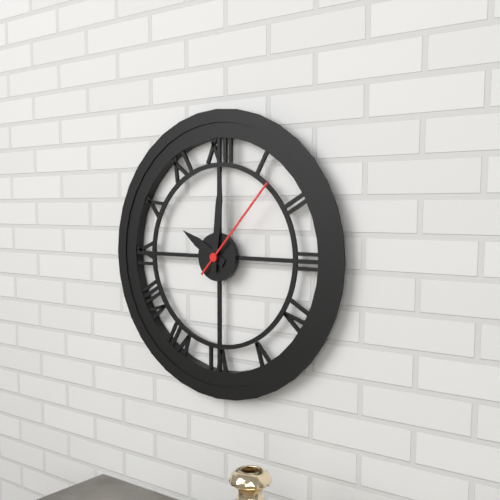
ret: **10:01:07**
